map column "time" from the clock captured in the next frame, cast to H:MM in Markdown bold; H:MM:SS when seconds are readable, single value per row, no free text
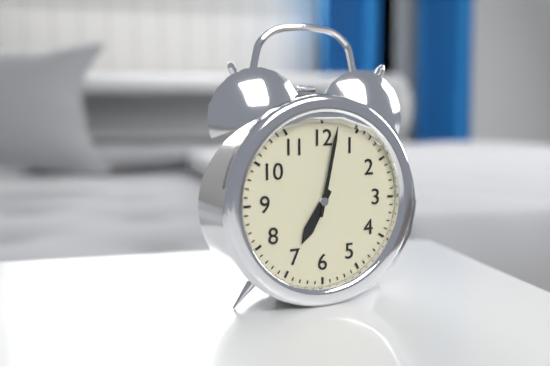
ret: **7:02**
